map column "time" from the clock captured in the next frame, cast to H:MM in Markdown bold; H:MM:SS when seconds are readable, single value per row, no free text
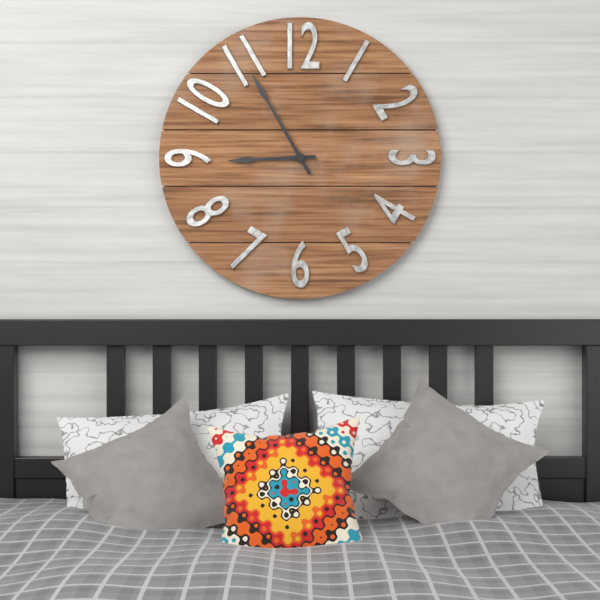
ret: **8:55**
